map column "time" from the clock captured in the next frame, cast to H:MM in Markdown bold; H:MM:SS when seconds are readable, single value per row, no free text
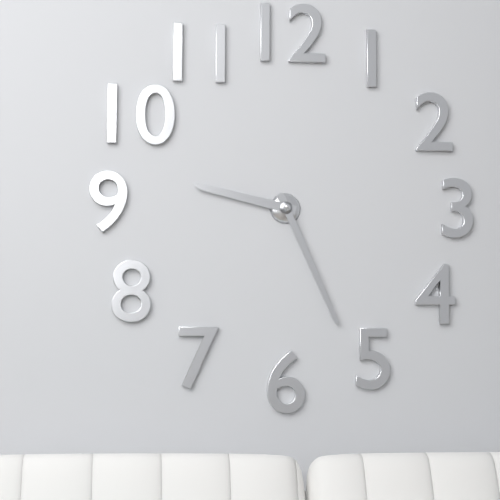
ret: **9:26**
